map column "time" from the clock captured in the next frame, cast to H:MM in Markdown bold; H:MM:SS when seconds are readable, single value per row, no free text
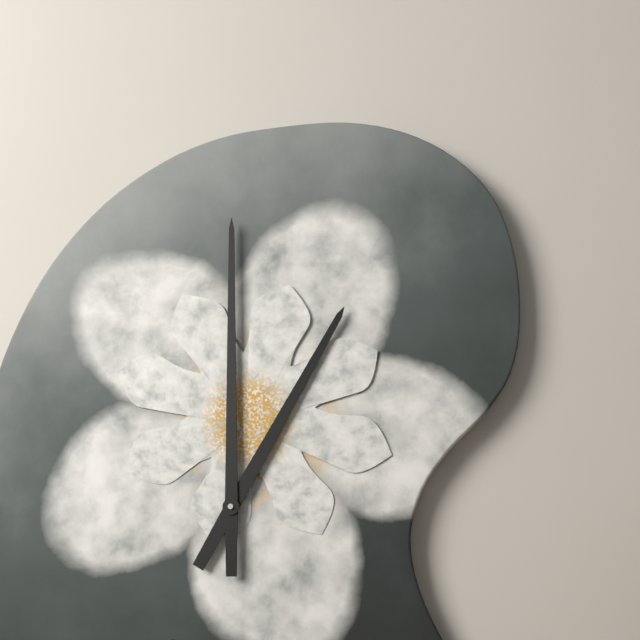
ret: **1:00**
